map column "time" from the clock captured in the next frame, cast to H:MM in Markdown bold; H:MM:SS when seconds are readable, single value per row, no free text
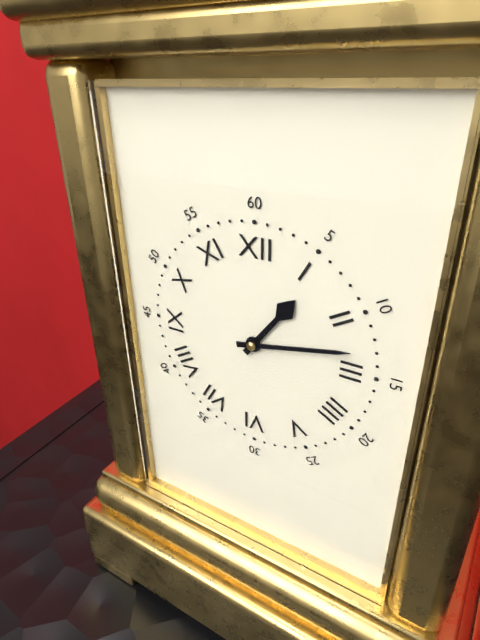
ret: **1:13**
